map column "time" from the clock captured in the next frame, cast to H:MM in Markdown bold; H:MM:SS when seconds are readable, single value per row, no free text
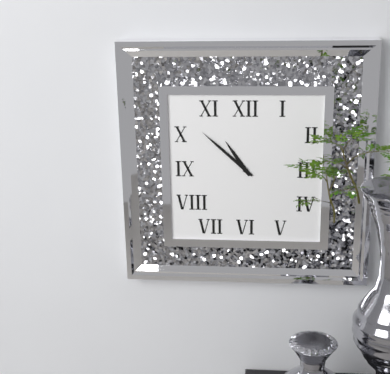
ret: **10:52**
